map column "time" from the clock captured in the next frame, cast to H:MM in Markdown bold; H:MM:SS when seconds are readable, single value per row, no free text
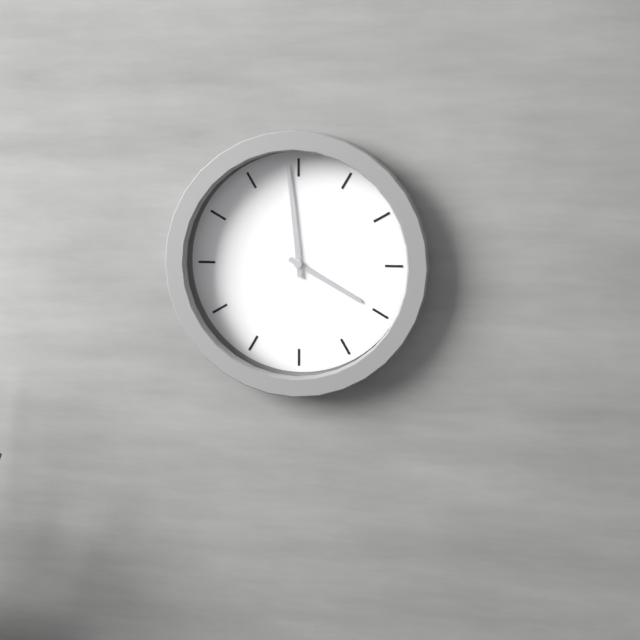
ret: **3:59**
